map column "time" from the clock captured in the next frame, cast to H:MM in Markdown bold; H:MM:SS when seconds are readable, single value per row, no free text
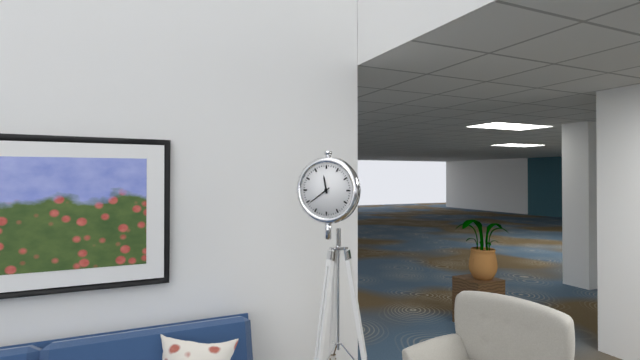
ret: **11:39**
